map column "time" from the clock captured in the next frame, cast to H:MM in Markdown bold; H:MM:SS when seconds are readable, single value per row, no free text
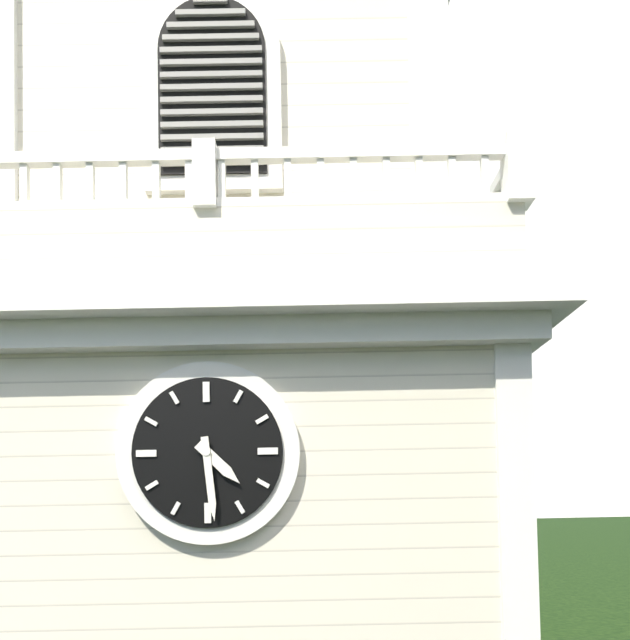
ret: **4:29**
